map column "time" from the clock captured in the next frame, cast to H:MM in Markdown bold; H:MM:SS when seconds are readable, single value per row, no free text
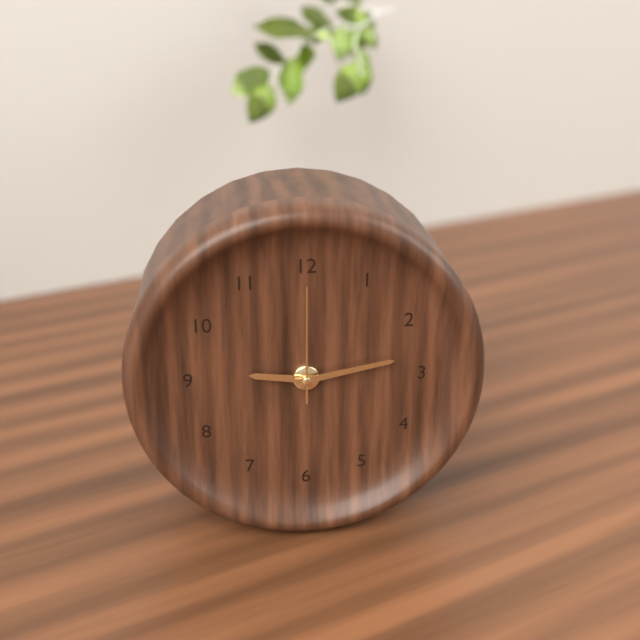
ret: **9:13:00**
